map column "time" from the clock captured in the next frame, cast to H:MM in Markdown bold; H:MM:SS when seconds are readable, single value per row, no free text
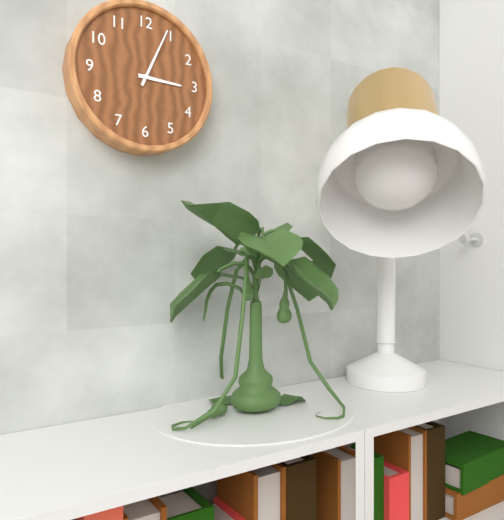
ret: **3:04**
